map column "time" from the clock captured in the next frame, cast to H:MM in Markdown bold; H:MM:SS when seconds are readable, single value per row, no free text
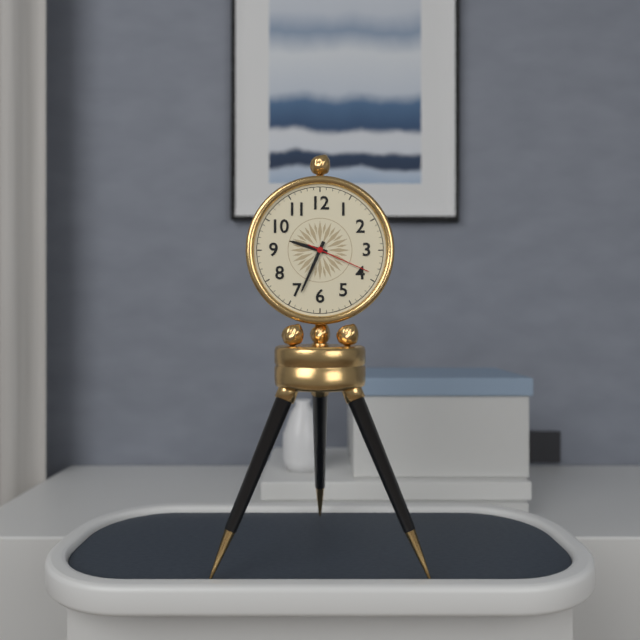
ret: **9:34:19**
